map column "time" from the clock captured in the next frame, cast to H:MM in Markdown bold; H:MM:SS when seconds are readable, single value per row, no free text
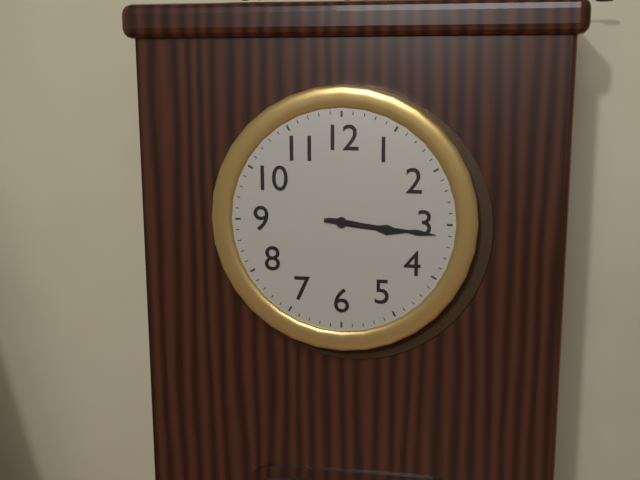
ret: **3:16**
